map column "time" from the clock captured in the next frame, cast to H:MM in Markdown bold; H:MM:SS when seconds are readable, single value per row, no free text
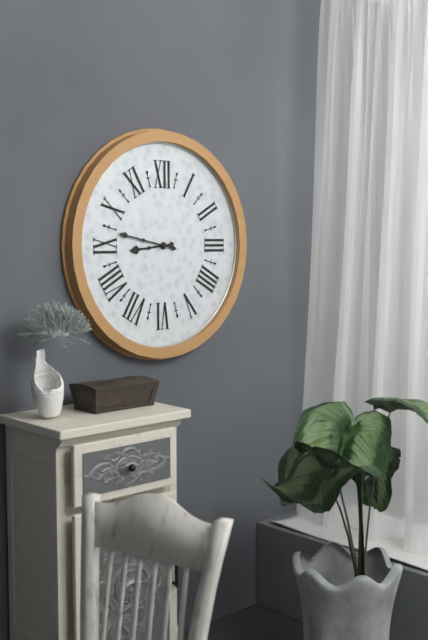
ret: **8:47**
